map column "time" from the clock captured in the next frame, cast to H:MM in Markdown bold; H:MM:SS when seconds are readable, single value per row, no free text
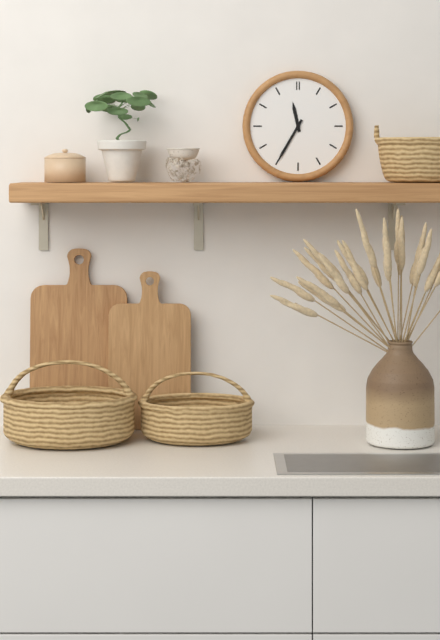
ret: **11:35**
